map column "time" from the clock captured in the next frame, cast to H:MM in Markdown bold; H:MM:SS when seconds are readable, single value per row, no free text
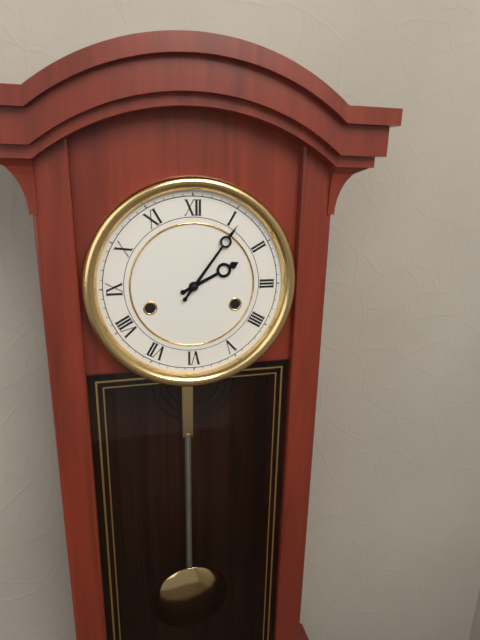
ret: **2:06**
